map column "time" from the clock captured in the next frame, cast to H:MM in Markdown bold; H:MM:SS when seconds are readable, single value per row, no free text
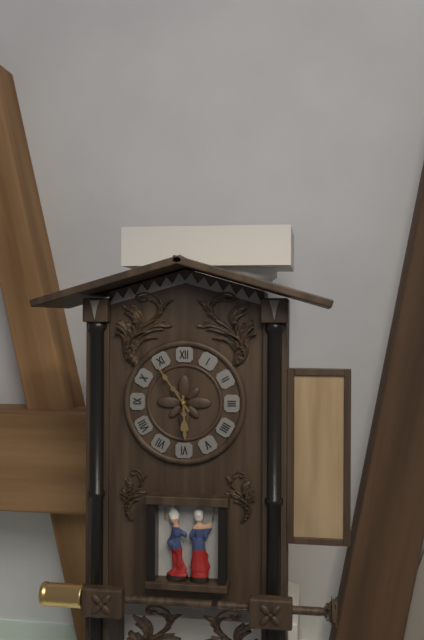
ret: **5:54**
